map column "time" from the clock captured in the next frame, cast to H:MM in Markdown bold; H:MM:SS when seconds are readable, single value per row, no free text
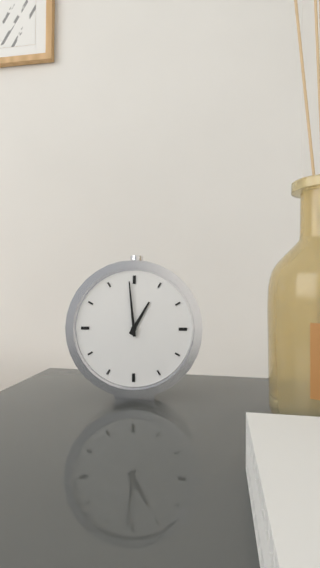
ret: **12:59**
